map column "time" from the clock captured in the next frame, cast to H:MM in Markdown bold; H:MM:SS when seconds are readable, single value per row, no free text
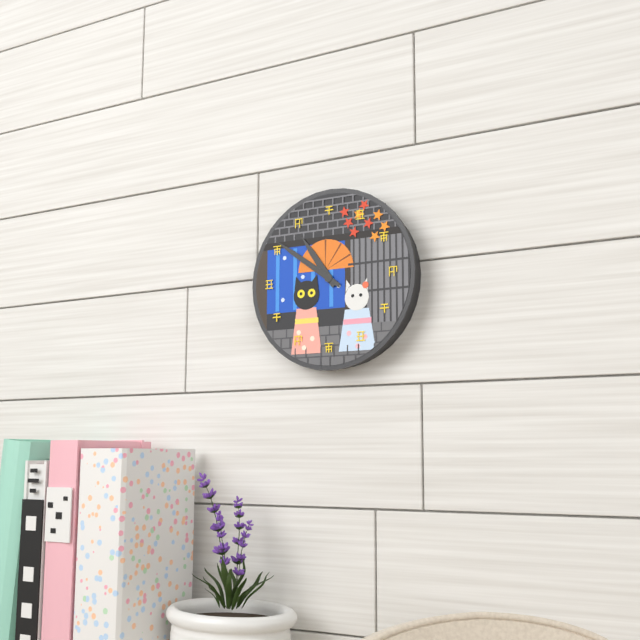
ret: **10:51**
